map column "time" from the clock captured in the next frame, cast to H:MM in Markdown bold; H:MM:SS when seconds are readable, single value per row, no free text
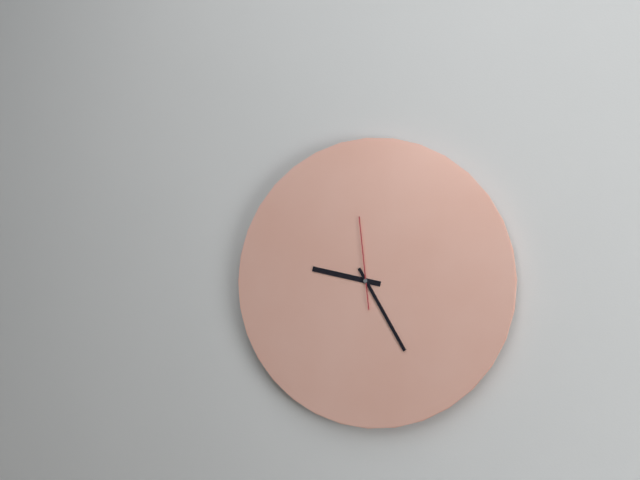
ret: **9:25:59**
